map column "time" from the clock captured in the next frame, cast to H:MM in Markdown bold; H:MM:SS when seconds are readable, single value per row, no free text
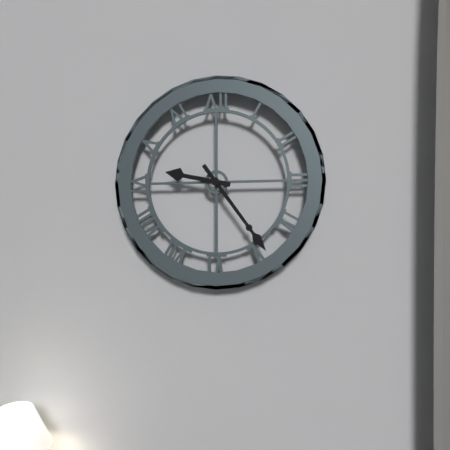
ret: **9:24**
